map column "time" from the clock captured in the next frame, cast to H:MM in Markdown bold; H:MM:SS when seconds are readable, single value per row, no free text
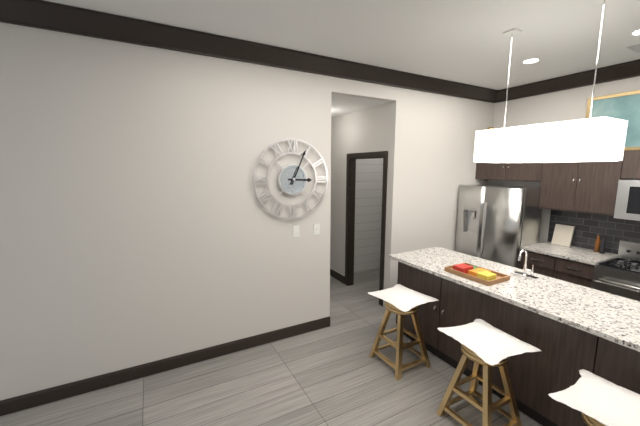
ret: **3:04**
